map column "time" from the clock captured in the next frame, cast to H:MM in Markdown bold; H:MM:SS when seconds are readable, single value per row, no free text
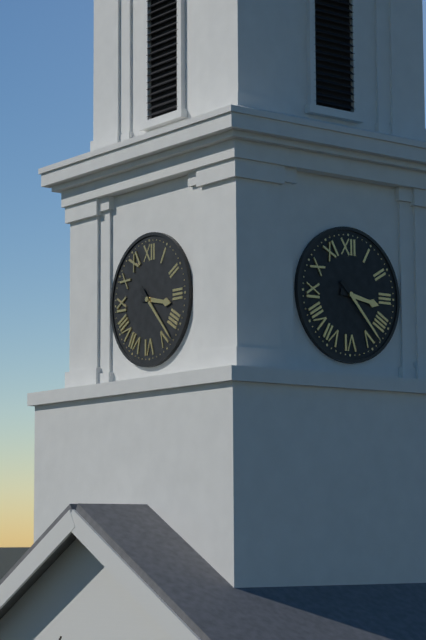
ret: **3:23**
